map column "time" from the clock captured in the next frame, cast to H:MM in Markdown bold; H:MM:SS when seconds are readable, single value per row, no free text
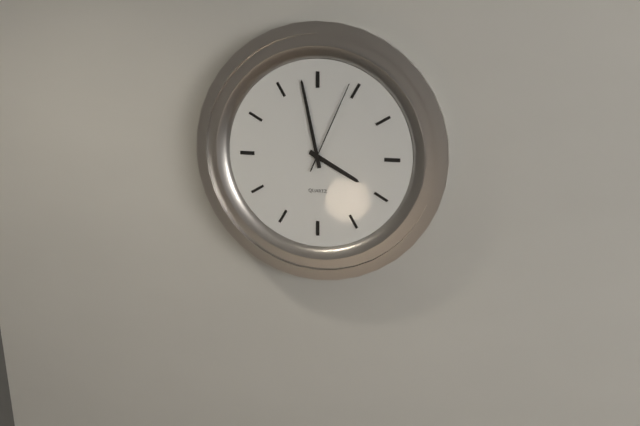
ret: **3:58:04**
